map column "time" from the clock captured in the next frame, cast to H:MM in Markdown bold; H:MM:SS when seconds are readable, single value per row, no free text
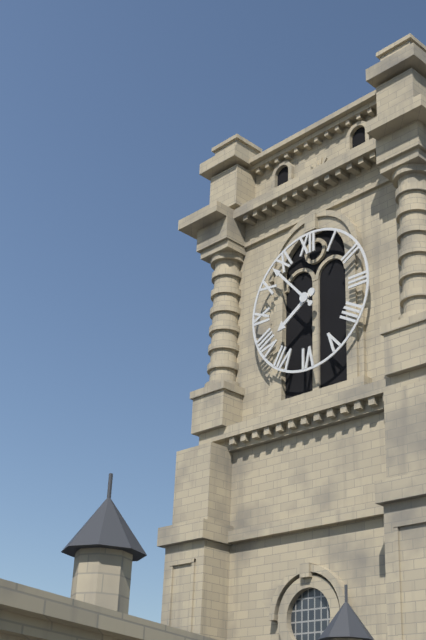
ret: **7:53**
